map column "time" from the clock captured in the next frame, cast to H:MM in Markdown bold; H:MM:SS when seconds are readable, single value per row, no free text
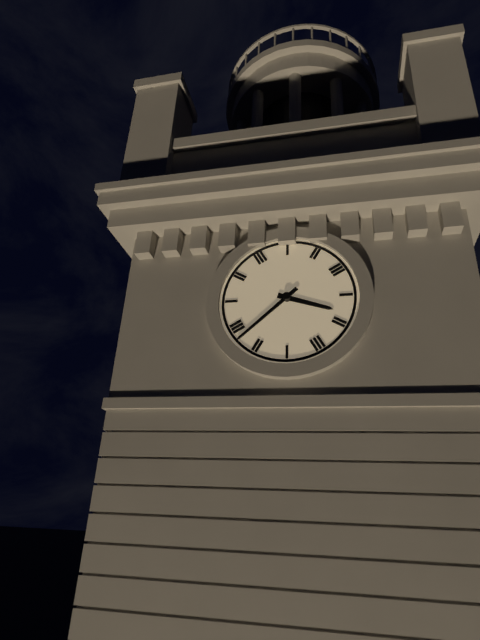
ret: **3:38**
